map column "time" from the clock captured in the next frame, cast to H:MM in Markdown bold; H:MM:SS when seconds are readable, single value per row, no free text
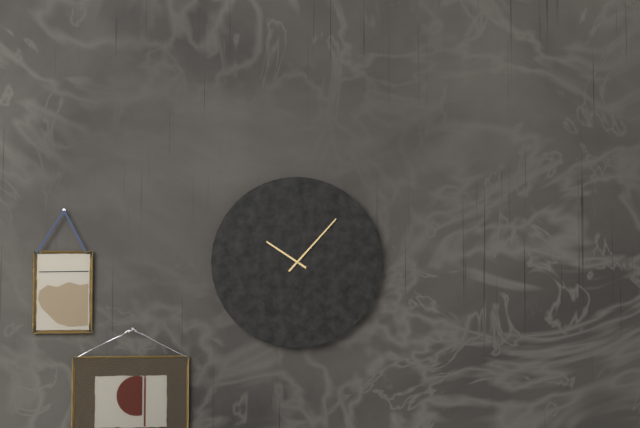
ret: **10:07**
